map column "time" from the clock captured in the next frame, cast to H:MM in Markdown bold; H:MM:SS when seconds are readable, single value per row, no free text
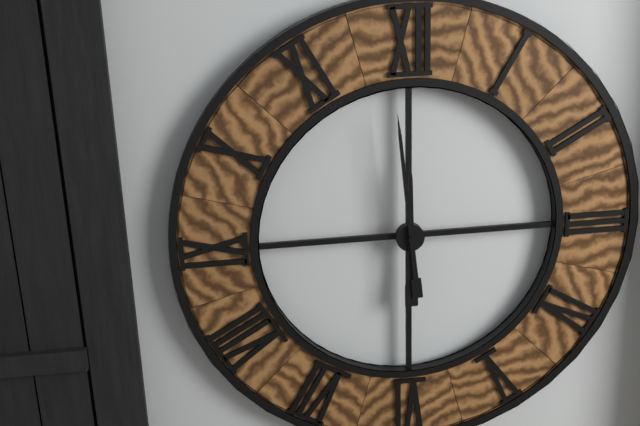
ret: **11:59**
